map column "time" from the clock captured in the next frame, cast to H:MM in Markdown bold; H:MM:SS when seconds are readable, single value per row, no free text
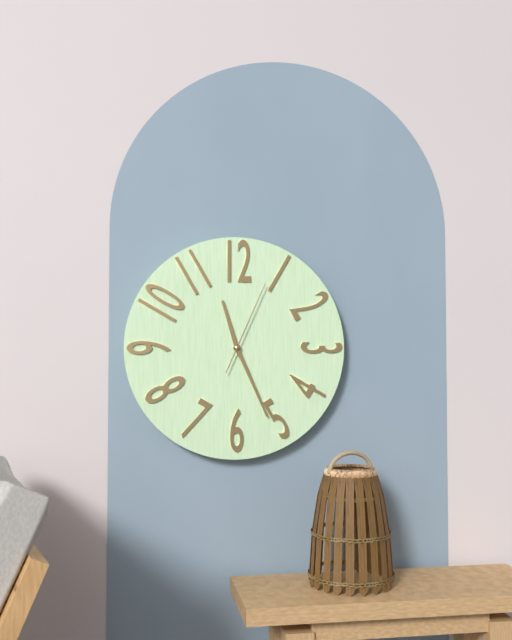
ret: **11:26:04**
